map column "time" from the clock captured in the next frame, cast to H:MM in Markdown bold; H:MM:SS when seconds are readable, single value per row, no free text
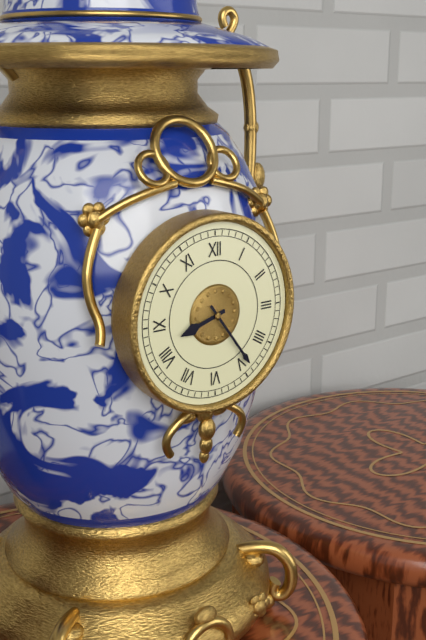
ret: **8:24**
